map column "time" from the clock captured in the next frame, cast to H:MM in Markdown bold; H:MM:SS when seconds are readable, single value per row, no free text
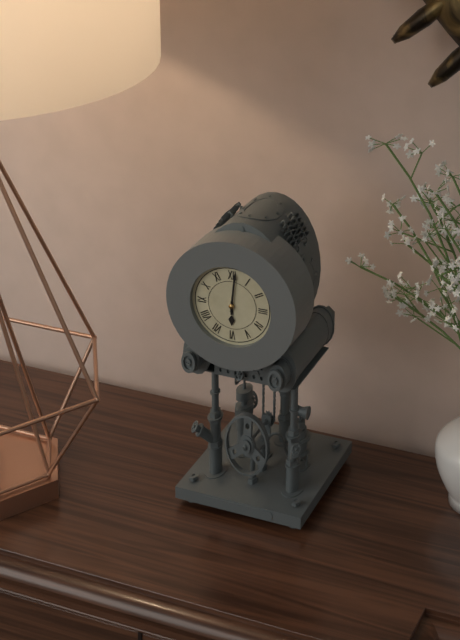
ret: **6:01**
